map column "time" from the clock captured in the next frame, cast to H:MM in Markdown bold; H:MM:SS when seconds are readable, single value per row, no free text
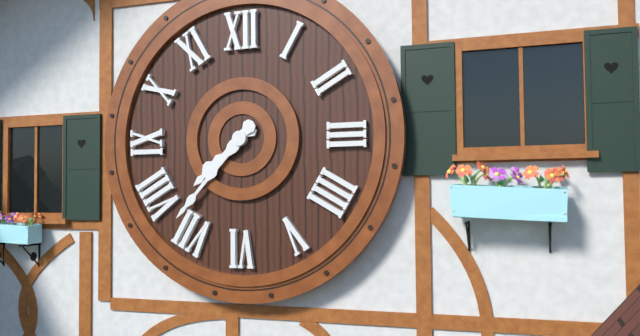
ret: **7:37**
